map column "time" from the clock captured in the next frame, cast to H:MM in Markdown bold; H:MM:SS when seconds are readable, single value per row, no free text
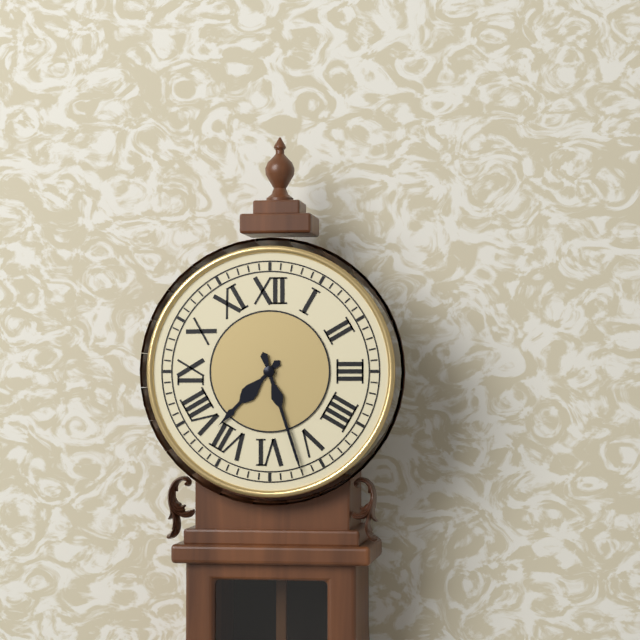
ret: **7:27**
